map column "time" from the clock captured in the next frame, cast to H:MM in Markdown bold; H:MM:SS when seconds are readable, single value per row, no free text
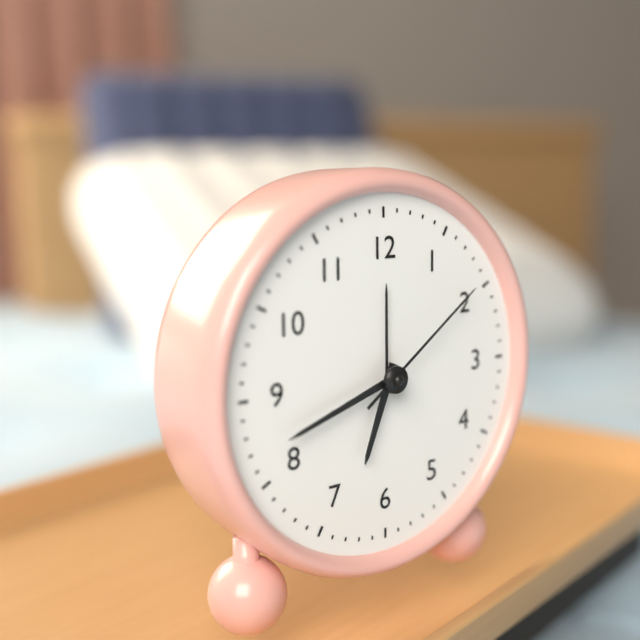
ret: **6:42:09**
